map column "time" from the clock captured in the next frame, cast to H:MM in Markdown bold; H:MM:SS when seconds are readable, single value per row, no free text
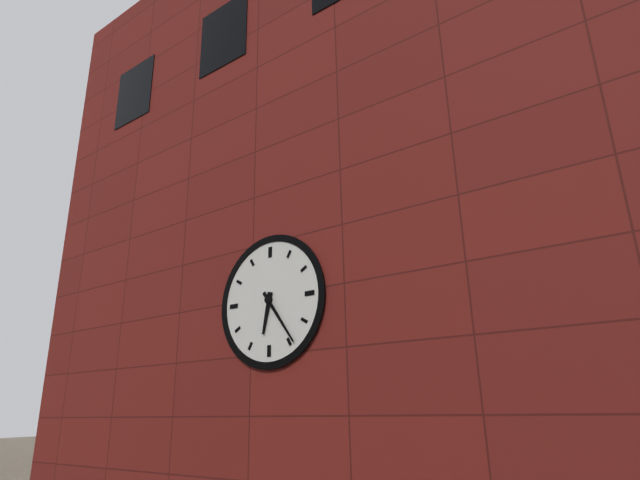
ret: **6:24**
